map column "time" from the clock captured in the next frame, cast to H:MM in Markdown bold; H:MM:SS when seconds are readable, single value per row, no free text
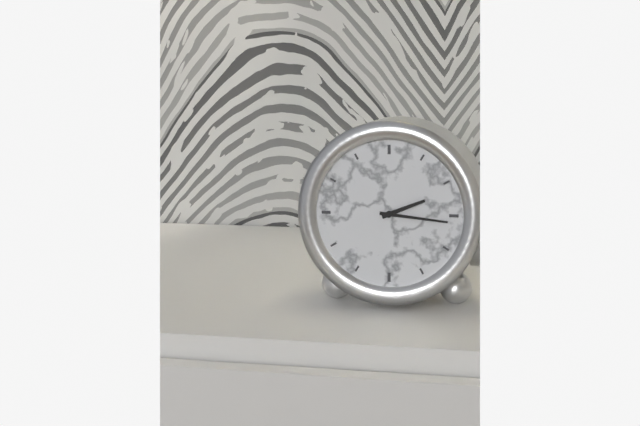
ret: **2:16**
